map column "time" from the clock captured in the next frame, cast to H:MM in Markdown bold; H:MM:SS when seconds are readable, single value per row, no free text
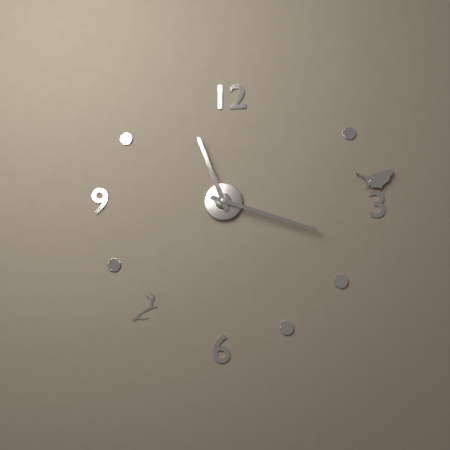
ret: **11:18**
